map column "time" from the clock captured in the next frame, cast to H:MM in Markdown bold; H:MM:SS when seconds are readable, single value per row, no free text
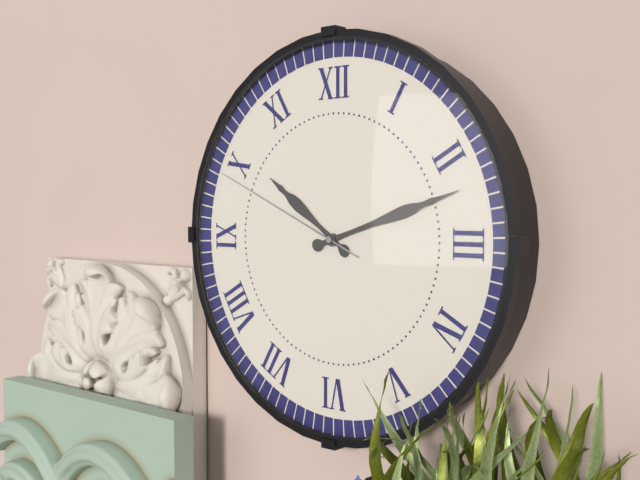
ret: **10:12:49**
